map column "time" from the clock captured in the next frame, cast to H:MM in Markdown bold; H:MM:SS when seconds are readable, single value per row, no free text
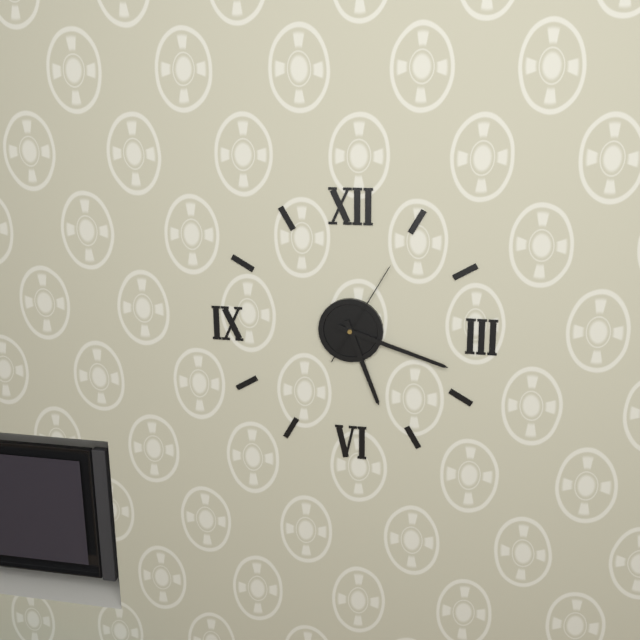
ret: **5:18:05**
